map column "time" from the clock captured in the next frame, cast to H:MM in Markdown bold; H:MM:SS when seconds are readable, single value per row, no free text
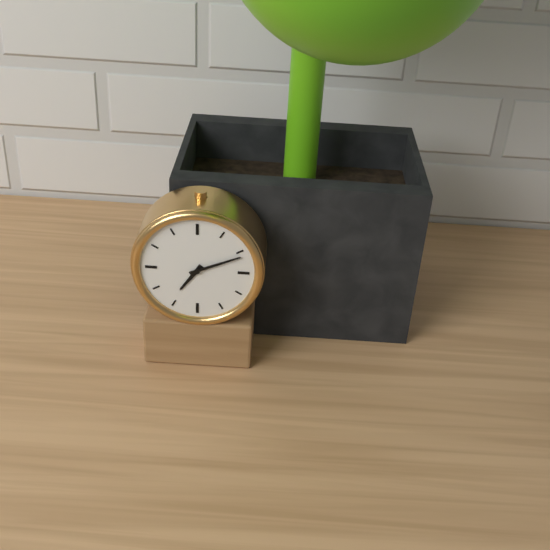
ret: **7:11**
